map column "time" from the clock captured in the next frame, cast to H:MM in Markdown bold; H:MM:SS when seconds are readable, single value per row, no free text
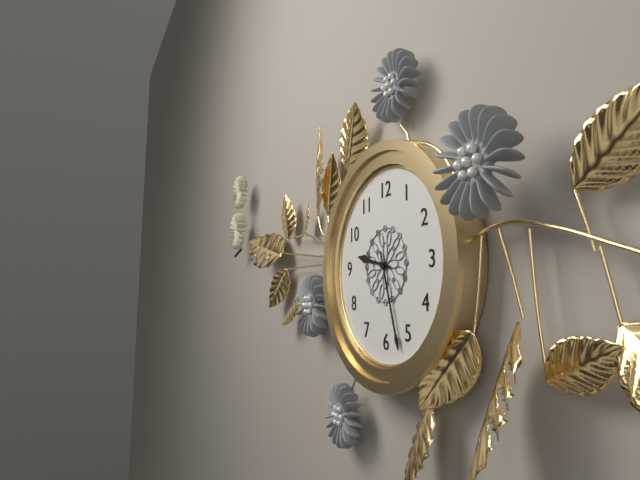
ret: **9:27**
